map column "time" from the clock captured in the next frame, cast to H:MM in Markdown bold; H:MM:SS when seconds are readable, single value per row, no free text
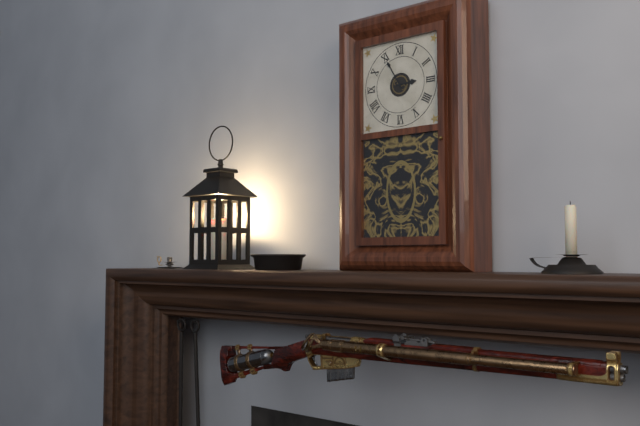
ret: **2:55**
